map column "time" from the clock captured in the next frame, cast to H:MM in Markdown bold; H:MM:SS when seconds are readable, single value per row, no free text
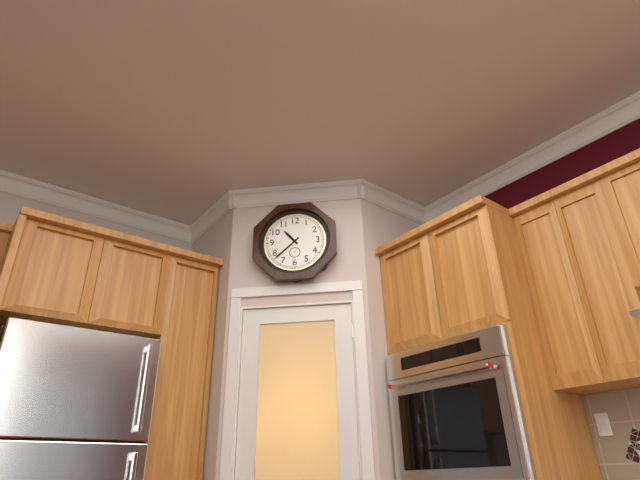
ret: **10:38**
